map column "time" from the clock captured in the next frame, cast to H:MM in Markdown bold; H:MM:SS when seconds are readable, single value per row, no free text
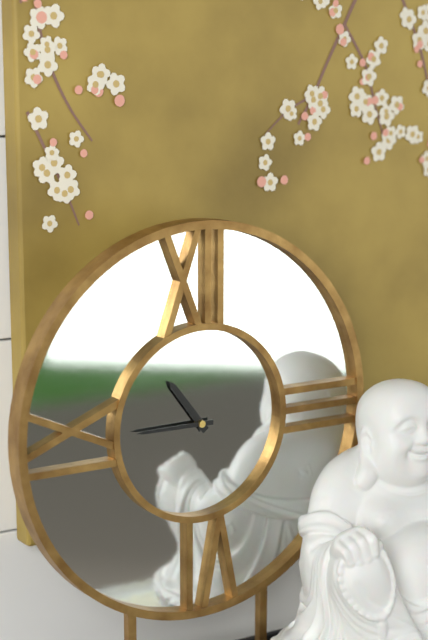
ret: **10:45**
